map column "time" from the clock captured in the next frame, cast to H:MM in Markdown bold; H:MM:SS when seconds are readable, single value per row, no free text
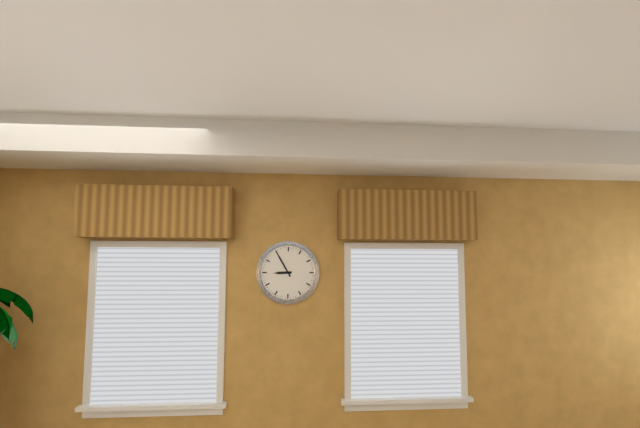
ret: **8:55**
